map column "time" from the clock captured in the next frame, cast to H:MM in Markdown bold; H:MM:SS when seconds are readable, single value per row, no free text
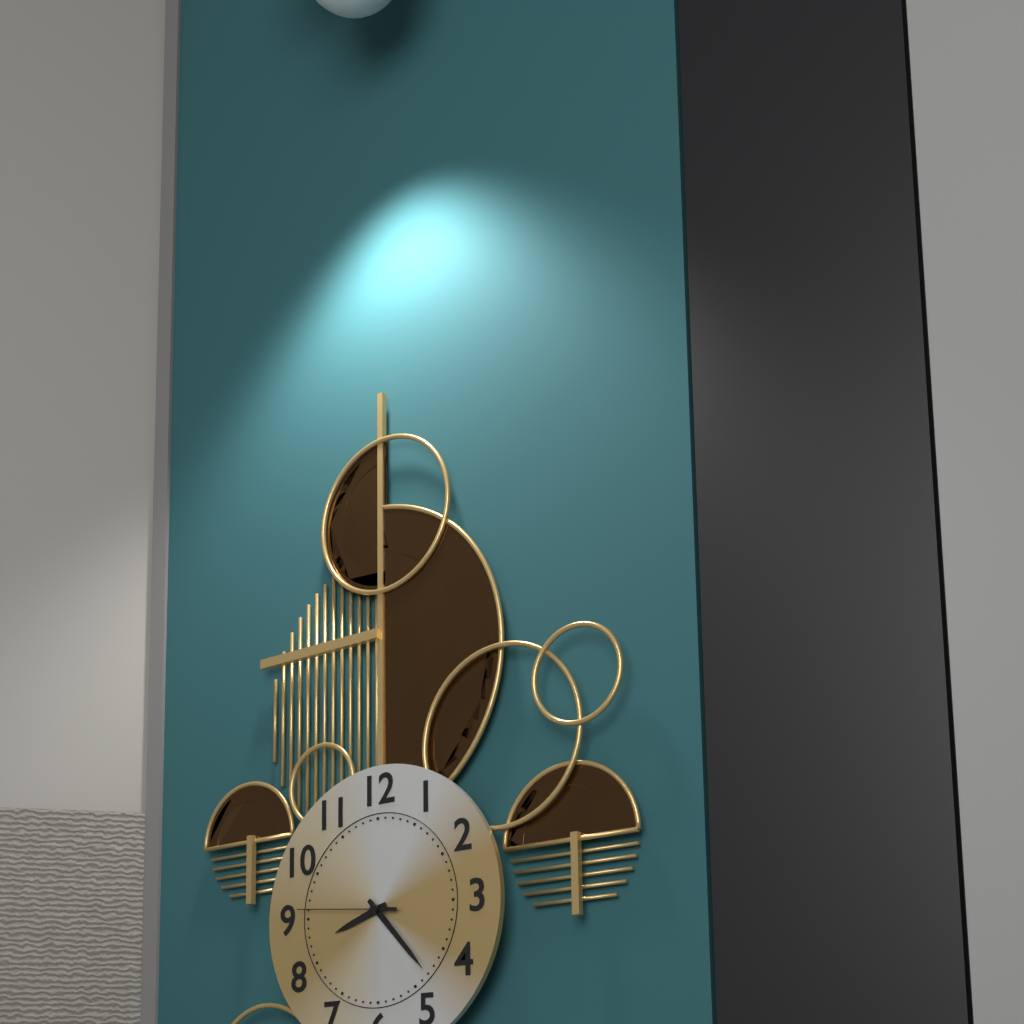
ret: **8:23:46**
